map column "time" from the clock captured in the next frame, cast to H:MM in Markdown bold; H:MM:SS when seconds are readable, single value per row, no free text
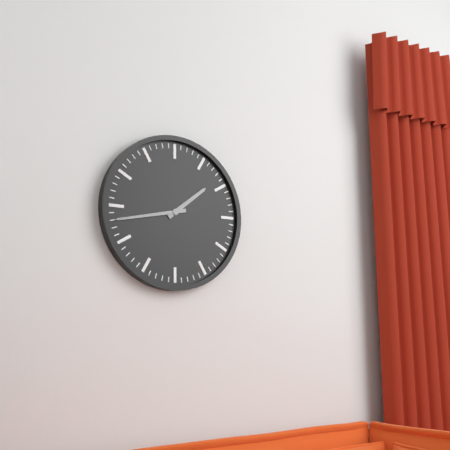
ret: **1:43**
